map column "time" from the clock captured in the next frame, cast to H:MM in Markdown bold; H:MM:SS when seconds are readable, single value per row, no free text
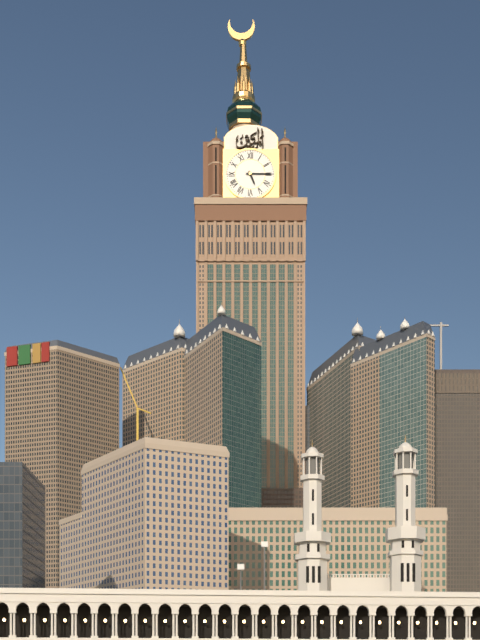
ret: **5:15**
